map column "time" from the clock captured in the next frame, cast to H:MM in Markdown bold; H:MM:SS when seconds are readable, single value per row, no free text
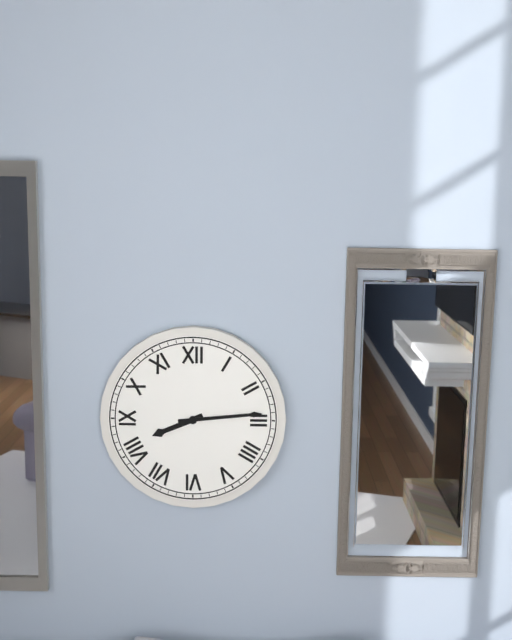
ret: **8:14**
